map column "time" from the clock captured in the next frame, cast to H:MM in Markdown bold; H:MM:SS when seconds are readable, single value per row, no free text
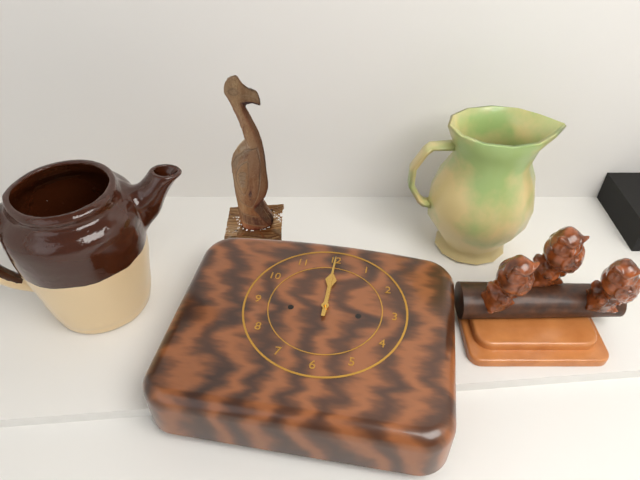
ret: **12:00**
